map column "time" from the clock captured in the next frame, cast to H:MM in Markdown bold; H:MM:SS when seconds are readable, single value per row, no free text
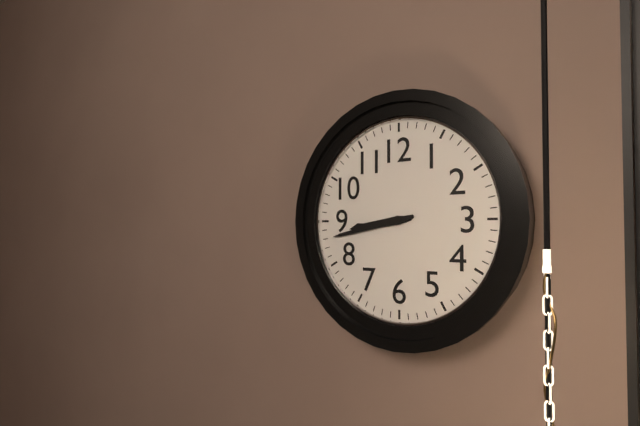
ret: **8:43**
